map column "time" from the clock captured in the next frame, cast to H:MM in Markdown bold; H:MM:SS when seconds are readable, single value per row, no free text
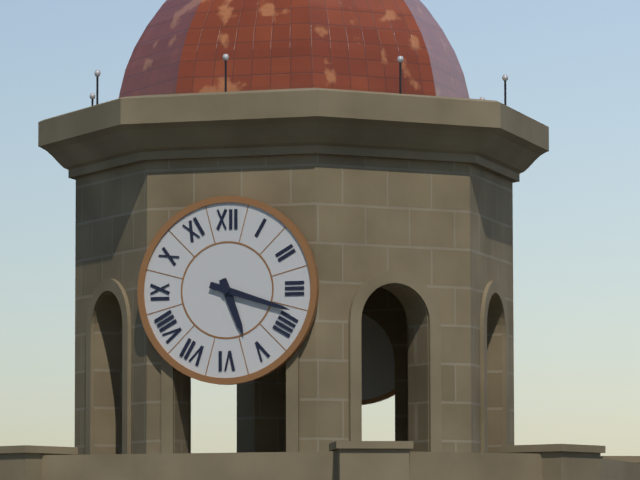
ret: **5:18**
